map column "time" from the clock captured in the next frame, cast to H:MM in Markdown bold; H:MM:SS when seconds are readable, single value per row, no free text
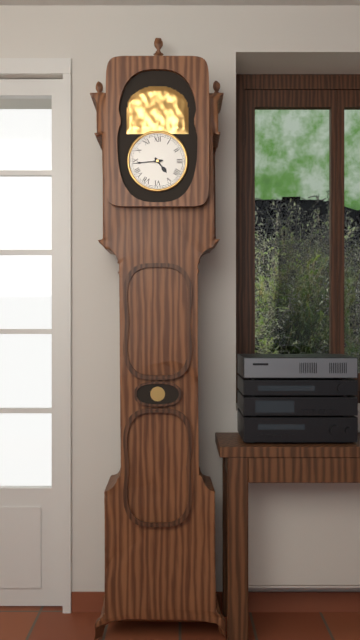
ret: **4:44**
